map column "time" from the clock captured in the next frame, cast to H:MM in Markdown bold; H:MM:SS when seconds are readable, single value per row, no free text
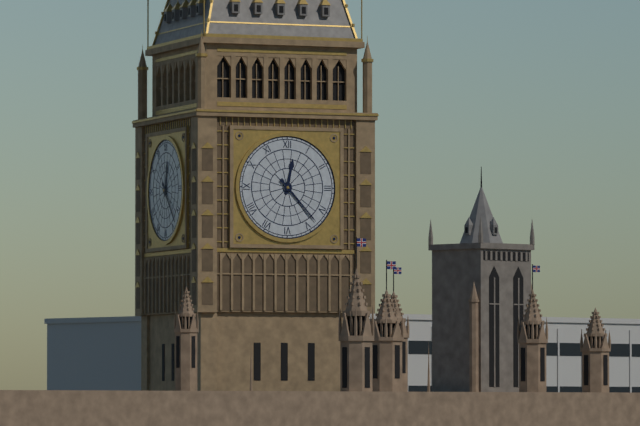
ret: **12:23**
